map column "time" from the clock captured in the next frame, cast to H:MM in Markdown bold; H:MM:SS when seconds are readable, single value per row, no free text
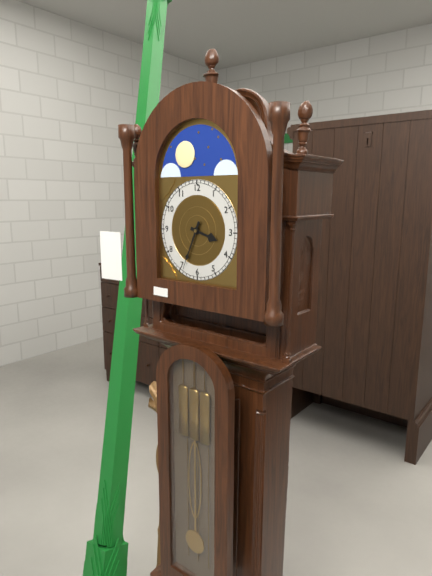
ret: **3:34**
